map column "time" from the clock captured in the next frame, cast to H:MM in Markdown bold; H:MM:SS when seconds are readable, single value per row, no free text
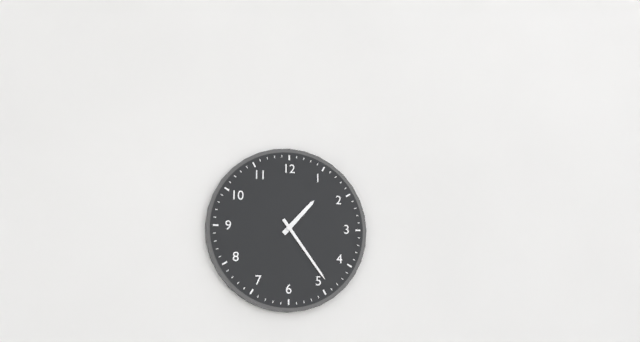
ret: **1:24**
